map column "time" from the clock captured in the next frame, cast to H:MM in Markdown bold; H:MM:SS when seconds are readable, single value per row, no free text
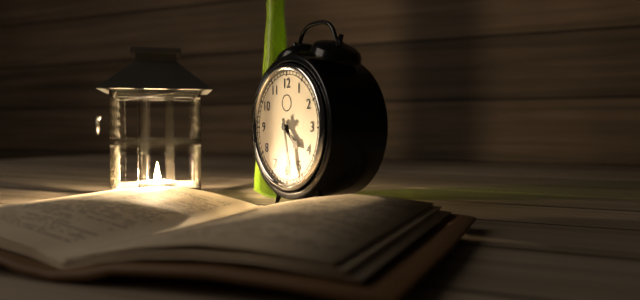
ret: **4:28**
